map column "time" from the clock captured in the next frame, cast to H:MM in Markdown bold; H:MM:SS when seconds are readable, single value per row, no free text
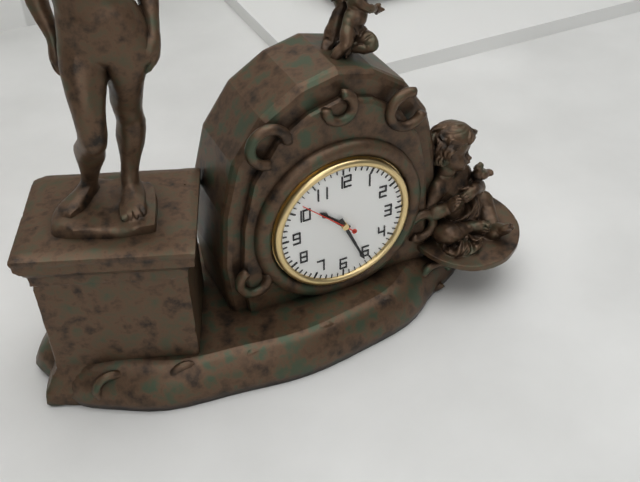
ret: **10:26:52**
